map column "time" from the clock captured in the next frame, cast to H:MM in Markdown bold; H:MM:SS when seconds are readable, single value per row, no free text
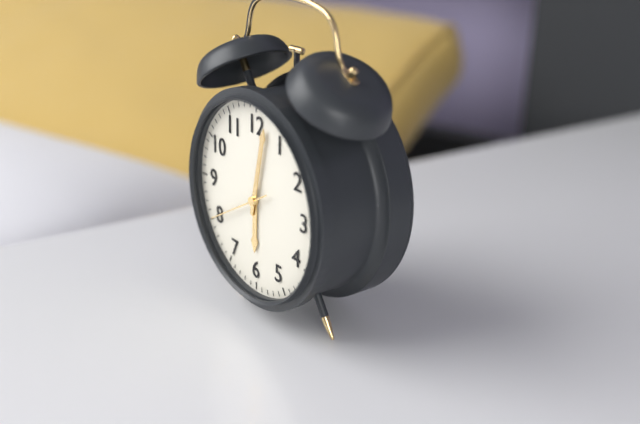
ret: **6:02:40**
